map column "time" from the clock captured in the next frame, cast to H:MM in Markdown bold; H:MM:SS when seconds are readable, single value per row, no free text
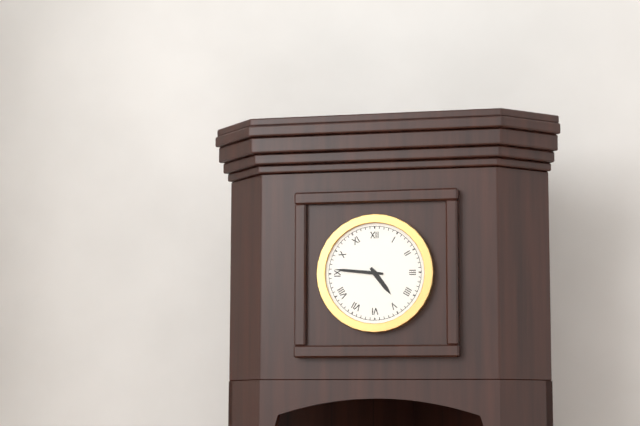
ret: **4:46**
